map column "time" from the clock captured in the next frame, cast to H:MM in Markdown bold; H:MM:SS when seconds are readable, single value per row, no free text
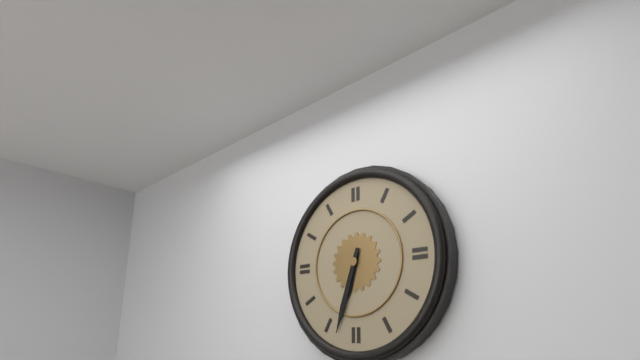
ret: **6:33**
